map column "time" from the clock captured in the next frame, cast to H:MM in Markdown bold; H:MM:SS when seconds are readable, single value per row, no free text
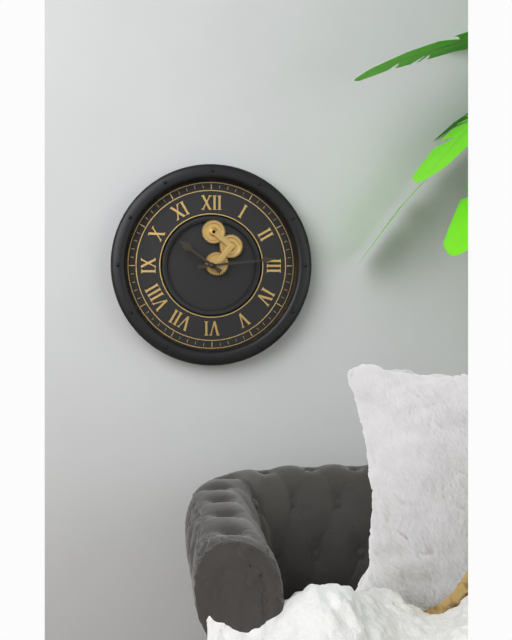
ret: **10:14**
